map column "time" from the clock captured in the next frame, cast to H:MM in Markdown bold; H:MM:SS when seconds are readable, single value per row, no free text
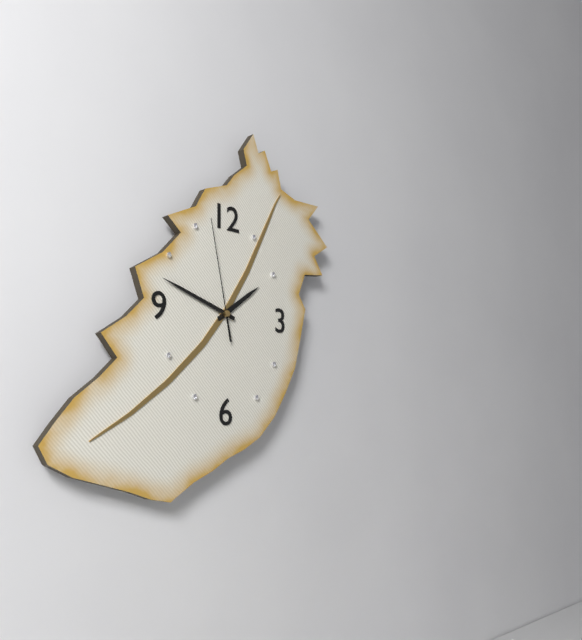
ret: **1:48:58**
